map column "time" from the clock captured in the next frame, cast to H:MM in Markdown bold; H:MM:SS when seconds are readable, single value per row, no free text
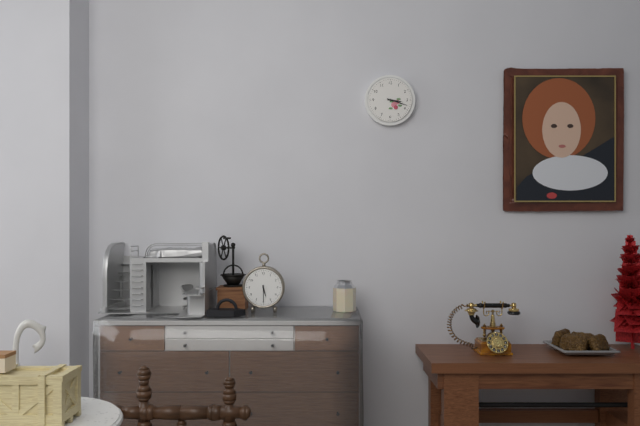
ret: **3:18**
